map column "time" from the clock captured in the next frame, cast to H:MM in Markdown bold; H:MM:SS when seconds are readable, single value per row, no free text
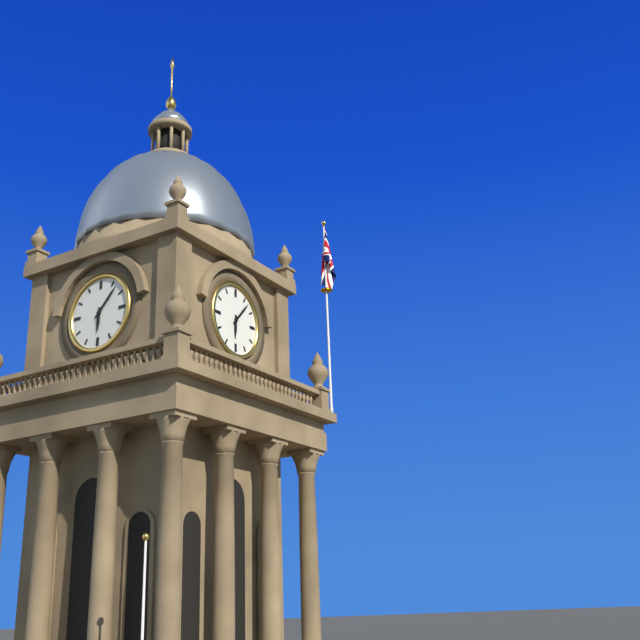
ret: **6:07**
